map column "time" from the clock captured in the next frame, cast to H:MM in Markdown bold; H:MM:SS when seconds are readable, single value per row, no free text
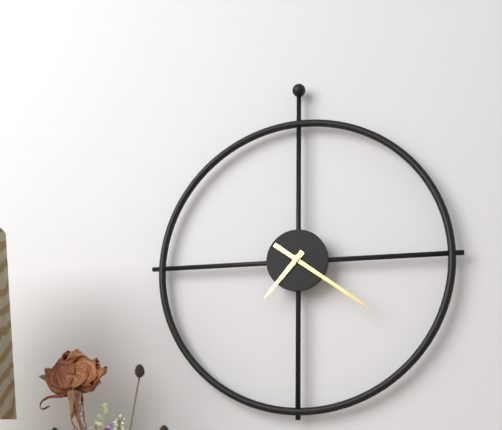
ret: **7:21**
